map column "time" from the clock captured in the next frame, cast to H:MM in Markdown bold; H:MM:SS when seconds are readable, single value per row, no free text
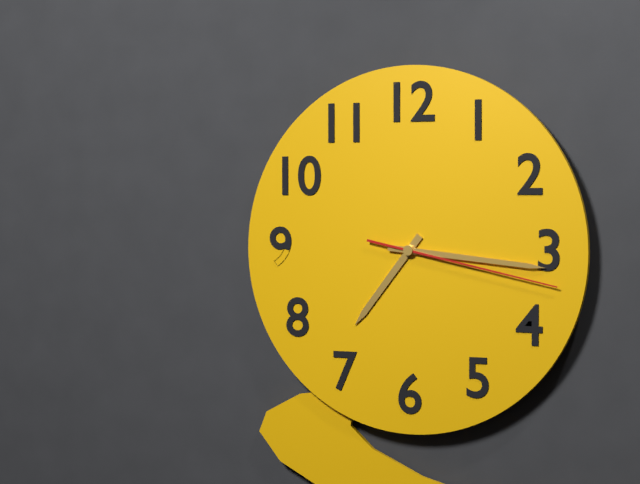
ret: **7:16:17**
